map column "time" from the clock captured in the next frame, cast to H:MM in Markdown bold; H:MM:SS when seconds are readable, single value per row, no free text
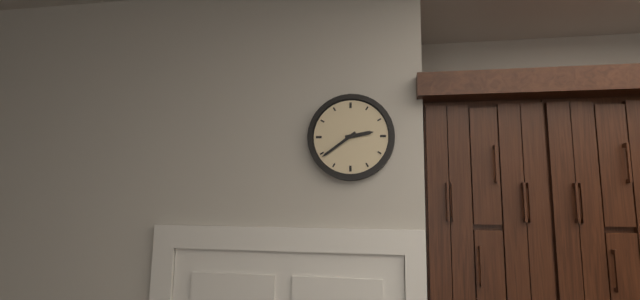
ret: **2:39**
